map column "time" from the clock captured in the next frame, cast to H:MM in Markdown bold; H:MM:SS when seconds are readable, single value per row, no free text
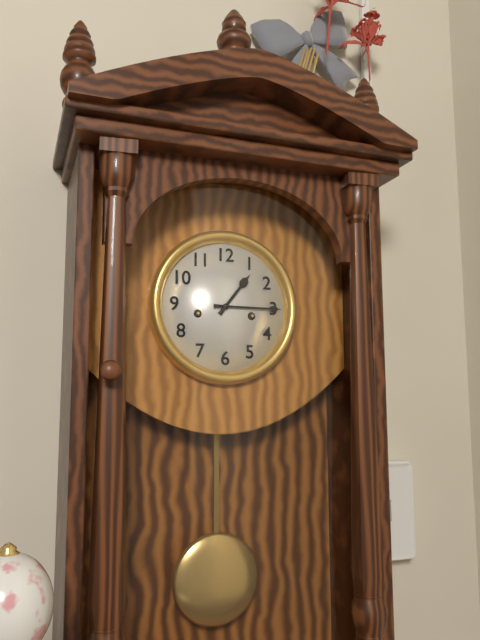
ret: **1:15**
